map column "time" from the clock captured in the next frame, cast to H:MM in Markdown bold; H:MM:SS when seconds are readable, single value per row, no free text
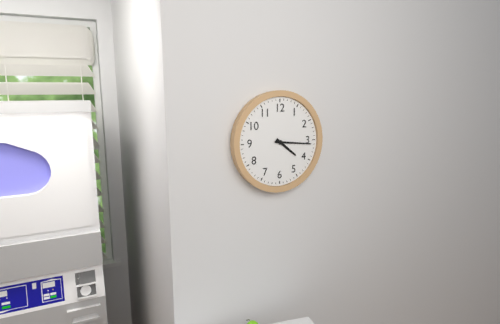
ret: **4:16**
